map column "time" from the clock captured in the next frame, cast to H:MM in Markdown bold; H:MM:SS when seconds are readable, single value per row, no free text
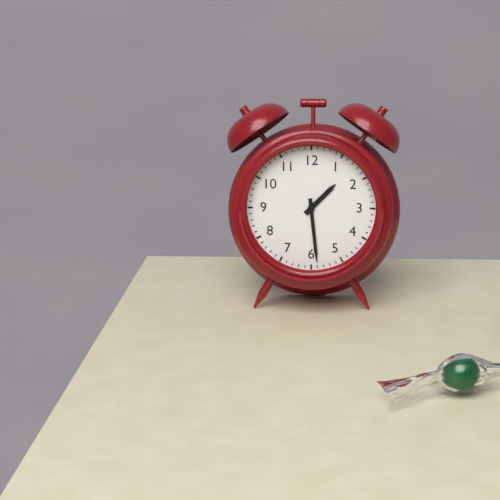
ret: **1:29**
